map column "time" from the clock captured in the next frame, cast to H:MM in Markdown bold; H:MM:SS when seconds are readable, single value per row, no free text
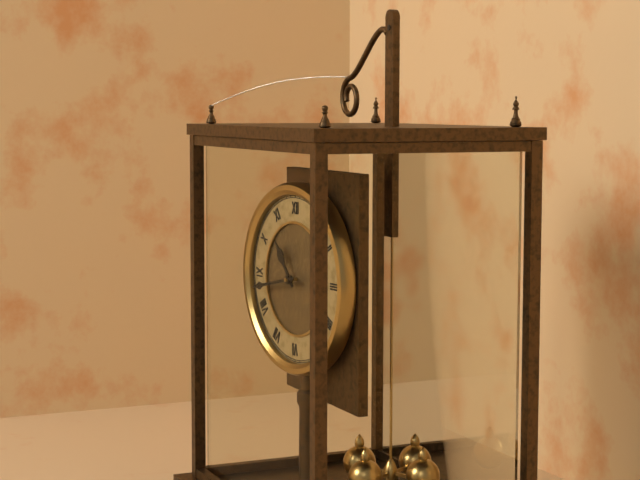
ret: **10:43**
